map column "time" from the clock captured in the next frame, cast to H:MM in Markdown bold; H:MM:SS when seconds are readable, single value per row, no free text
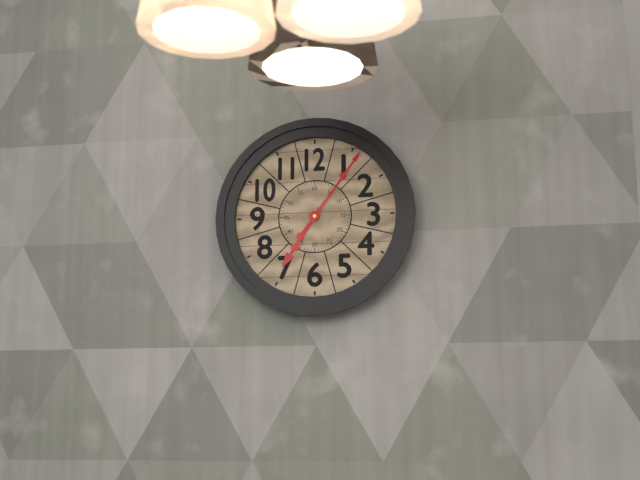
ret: **7:06**
